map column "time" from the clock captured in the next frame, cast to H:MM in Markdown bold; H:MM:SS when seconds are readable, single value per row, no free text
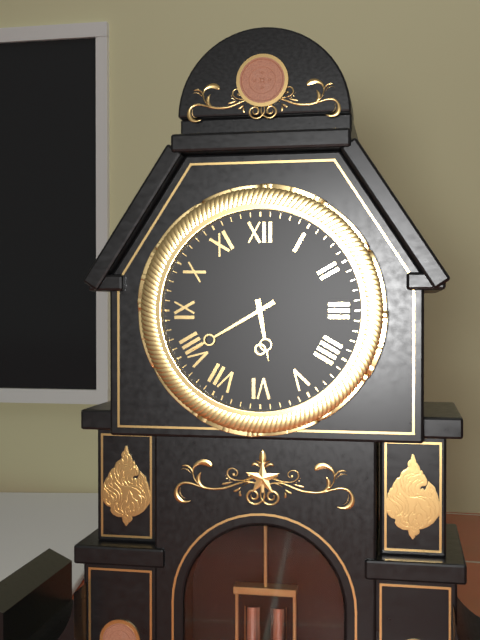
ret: **5:40**
